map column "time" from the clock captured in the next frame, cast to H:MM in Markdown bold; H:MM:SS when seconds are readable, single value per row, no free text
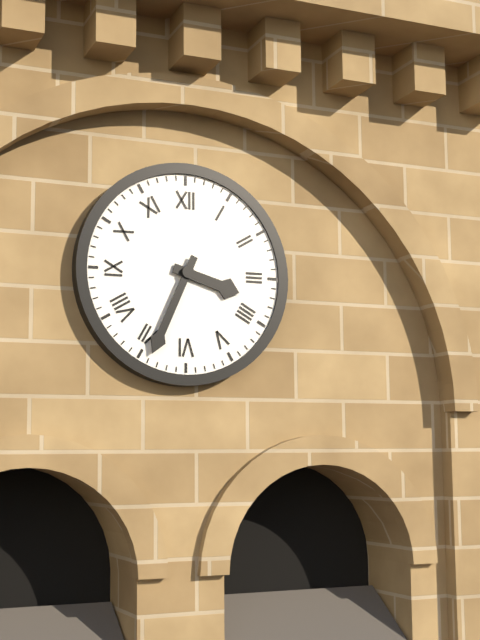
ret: **3:34**
